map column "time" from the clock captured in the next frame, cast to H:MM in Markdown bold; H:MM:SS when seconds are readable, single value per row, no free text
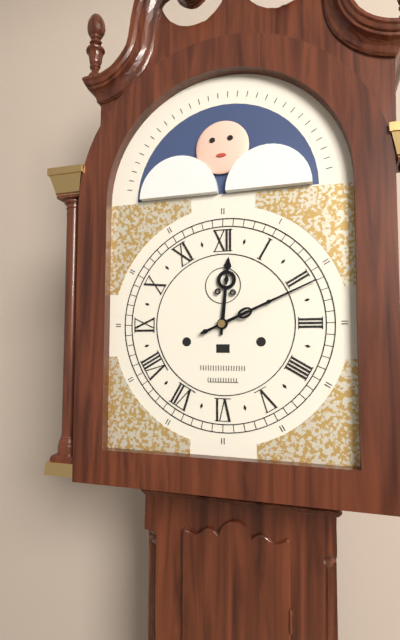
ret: **12:11**
